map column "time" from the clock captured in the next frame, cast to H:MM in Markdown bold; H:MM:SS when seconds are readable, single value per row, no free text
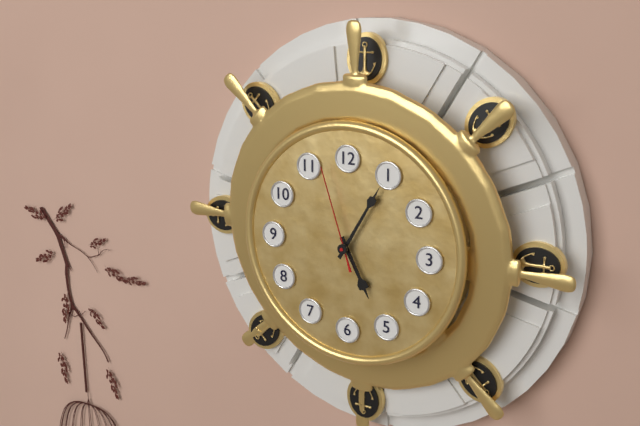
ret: **5:05:57**
